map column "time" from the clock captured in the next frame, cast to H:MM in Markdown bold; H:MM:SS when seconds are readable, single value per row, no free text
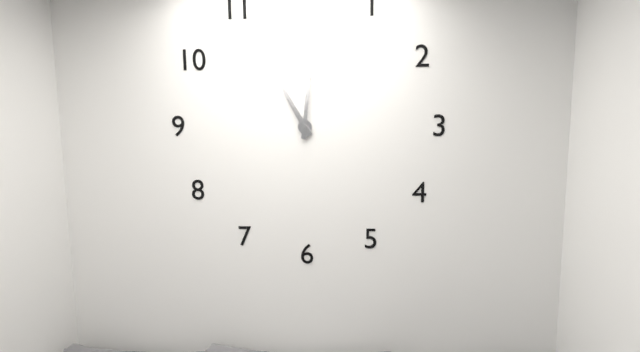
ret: **11:01**
